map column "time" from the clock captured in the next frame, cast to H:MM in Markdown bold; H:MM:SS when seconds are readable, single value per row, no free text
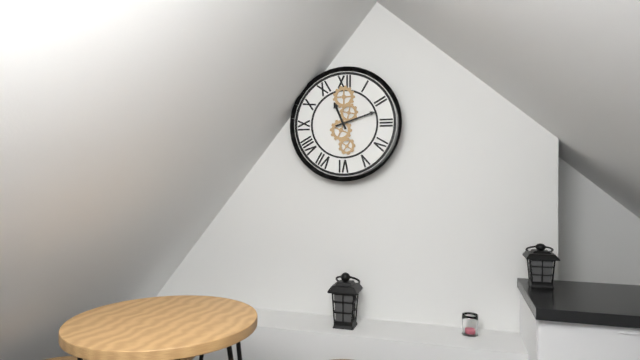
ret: **11:12**
